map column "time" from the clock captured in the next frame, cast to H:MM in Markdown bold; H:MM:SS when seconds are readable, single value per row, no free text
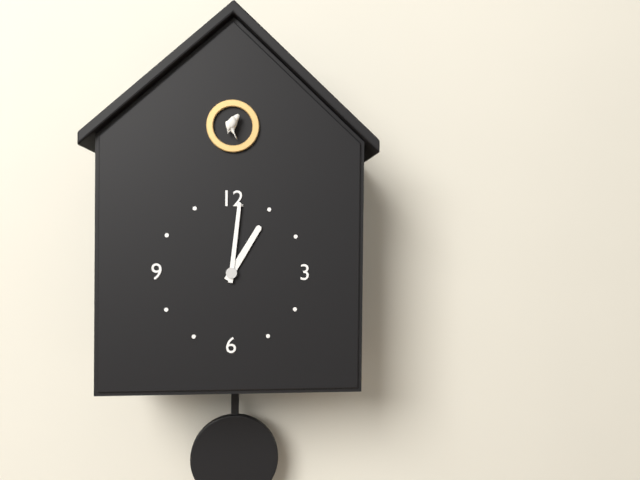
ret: **1:01**
